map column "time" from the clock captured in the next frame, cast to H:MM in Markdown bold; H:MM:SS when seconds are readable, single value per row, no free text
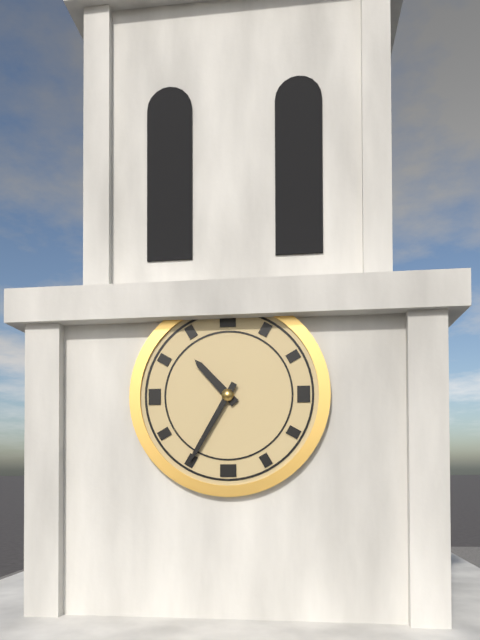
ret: **10:35**
